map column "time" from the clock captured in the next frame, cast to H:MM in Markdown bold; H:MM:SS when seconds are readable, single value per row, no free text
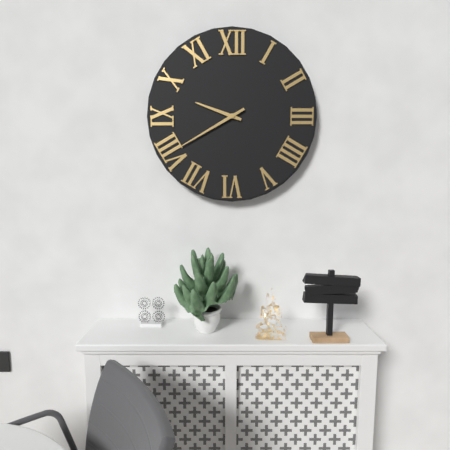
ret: **9:40**
